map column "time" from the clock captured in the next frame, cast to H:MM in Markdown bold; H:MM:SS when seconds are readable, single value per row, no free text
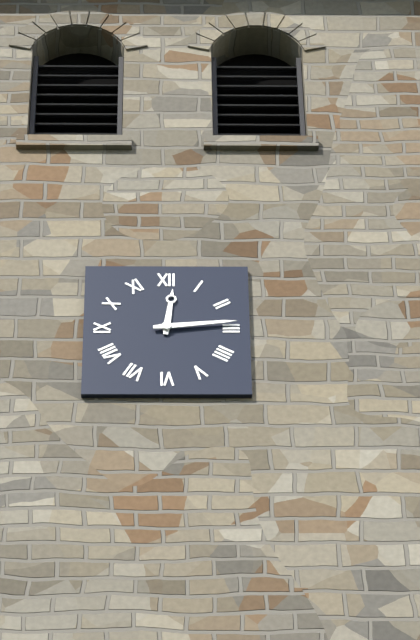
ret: **12:14**
